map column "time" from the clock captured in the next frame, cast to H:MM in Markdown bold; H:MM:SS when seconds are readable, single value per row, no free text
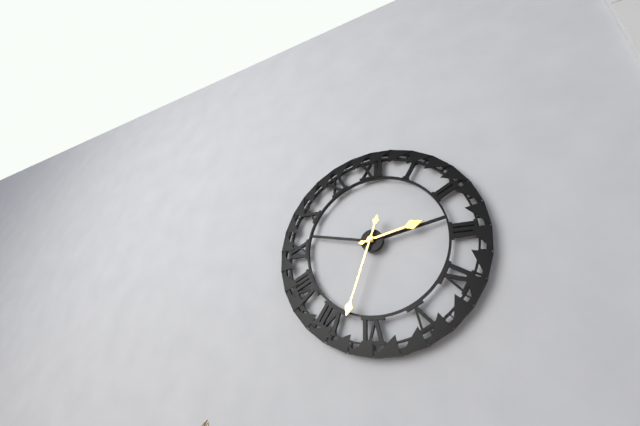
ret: **2:33**
